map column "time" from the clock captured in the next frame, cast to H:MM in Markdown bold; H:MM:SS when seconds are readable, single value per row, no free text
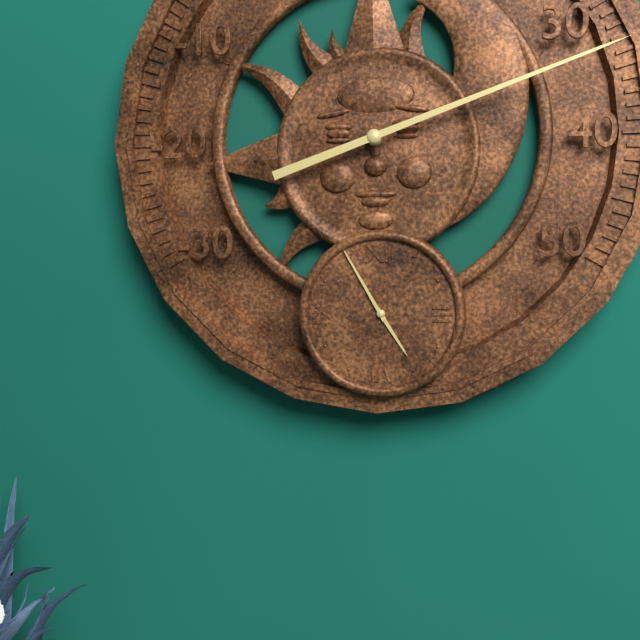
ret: **4:55**
